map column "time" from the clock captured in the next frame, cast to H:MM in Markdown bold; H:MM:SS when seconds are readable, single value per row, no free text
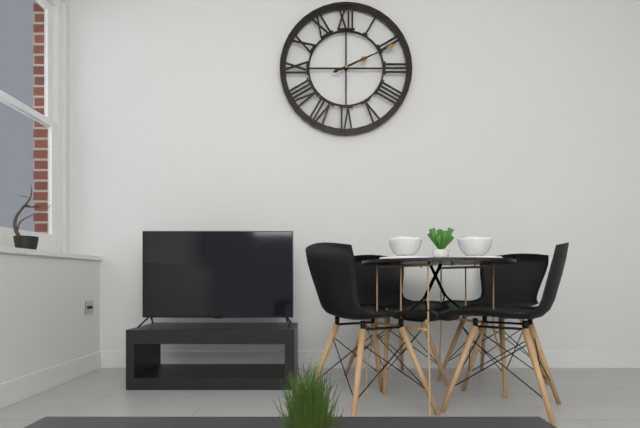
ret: **2:11**
